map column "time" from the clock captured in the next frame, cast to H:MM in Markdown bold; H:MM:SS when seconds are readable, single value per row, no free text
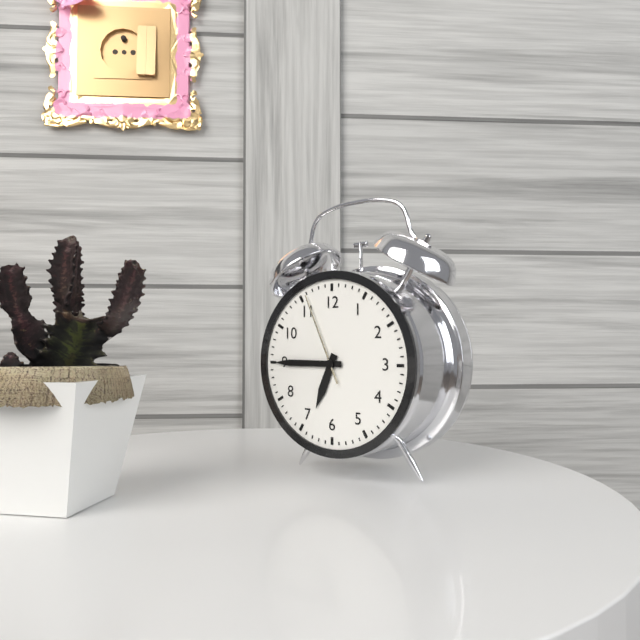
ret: **6:45:56**
